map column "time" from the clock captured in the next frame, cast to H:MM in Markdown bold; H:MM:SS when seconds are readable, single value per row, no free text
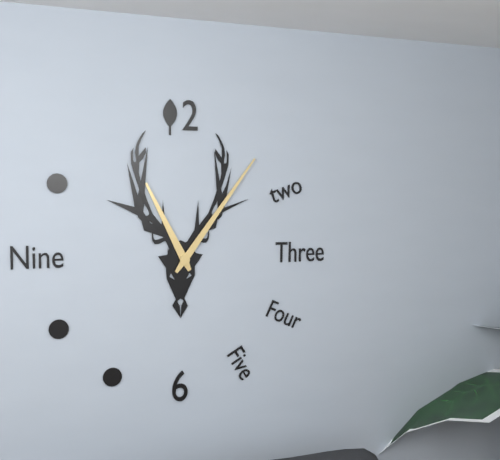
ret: **11:06**
